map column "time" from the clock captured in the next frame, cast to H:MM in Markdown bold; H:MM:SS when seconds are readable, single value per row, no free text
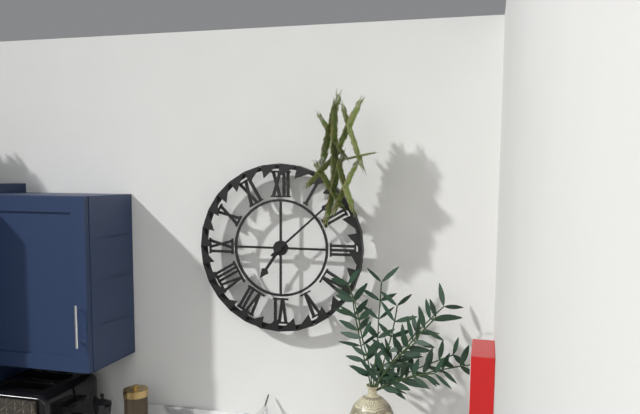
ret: **7:08**
